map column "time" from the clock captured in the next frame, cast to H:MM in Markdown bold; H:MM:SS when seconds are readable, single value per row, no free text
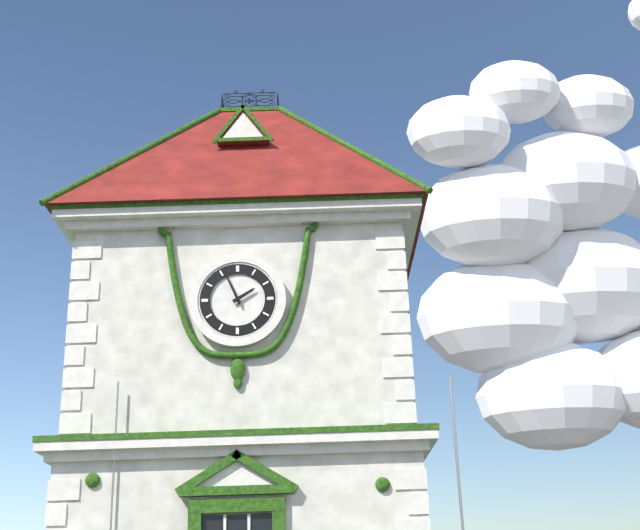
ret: **1:56**
